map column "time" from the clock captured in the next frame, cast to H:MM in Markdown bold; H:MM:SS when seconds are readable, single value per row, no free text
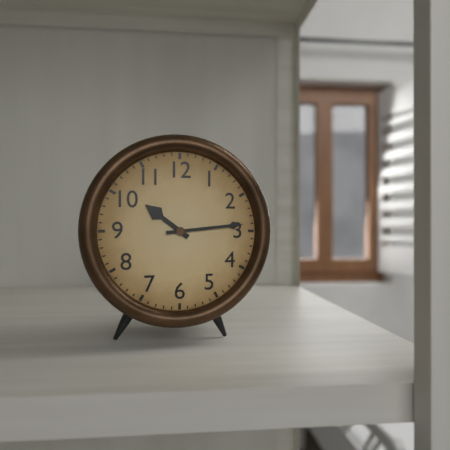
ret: **10:14**
